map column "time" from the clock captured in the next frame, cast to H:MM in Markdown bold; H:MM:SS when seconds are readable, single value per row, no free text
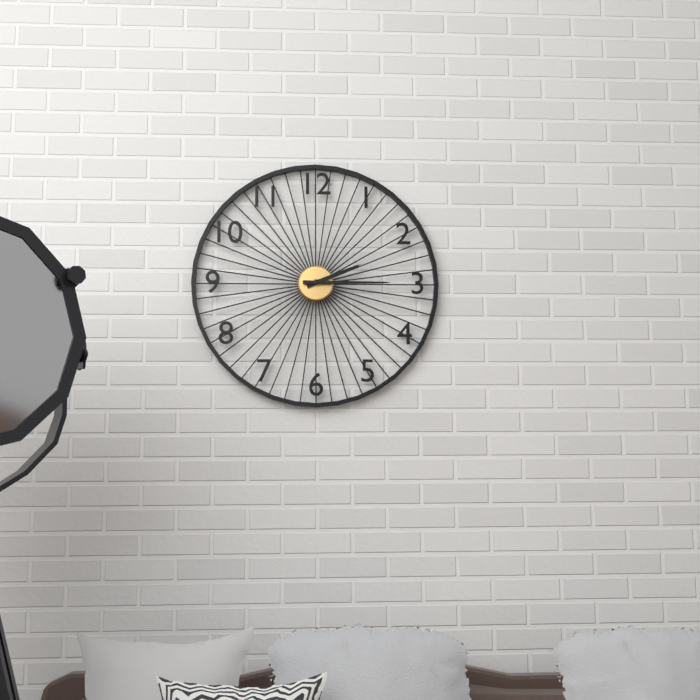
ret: **2:15**
